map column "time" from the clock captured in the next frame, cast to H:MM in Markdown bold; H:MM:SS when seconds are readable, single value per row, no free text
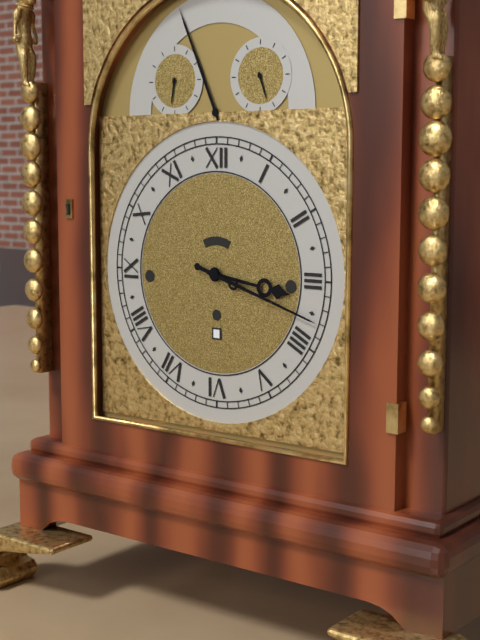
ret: **3:18**
